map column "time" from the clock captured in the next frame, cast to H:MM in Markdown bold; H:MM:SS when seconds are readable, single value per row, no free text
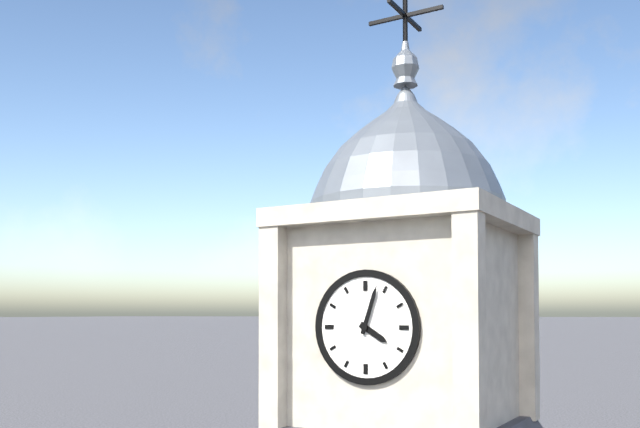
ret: **4:03**
